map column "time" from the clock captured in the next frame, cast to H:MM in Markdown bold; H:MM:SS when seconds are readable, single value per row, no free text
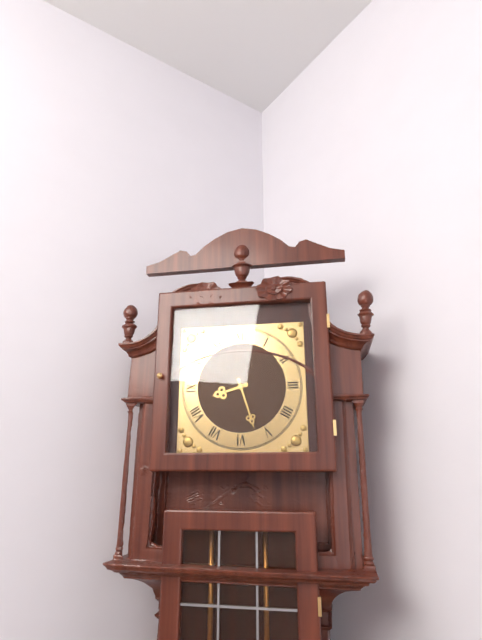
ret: **8:27**
